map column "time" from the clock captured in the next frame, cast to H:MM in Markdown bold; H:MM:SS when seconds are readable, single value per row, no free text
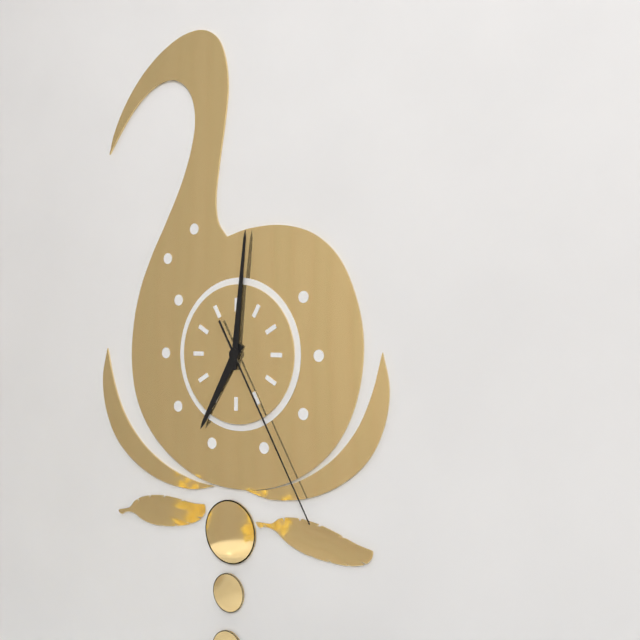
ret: **7:01:25**
